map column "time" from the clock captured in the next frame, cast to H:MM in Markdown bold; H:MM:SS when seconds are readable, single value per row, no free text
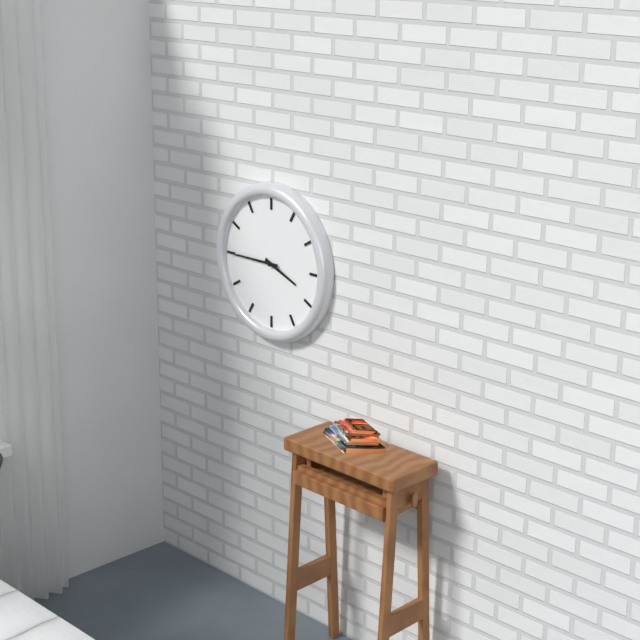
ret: **3:45**
